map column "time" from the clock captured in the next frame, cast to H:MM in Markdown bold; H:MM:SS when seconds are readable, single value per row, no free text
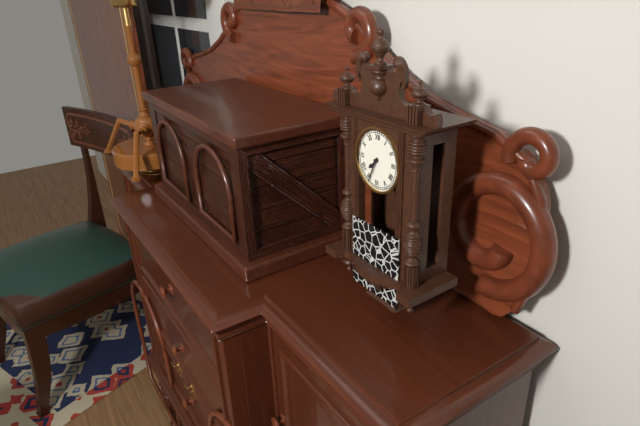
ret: **7:34**
